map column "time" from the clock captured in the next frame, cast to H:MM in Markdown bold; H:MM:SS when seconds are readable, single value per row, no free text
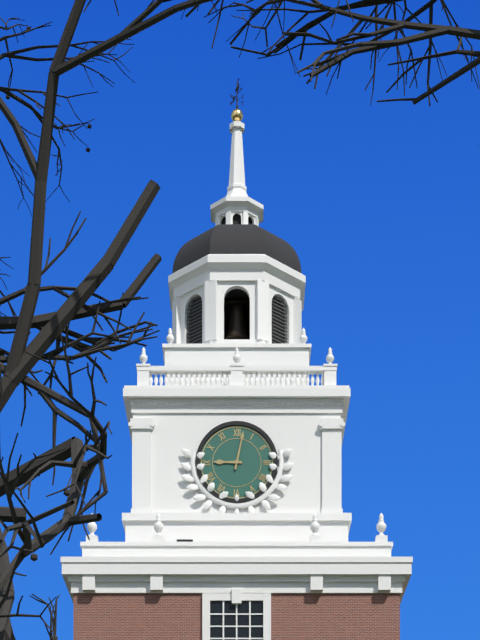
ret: **9:02**
